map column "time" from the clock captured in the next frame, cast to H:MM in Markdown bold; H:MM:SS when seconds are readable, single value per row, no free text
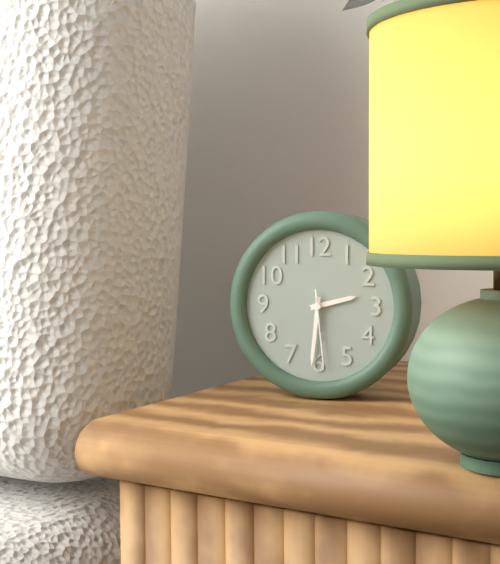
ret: **2:31:29**
